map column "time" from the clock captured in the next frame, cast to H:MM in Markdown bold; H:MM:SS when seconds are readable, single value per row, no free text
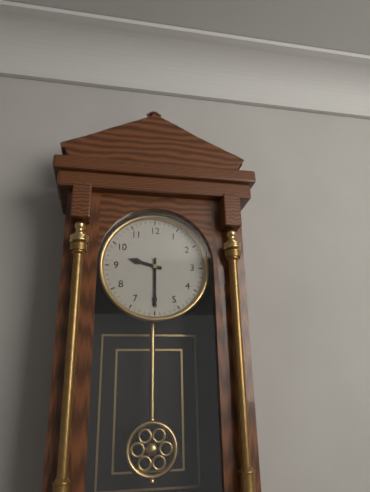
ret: **9:30**
